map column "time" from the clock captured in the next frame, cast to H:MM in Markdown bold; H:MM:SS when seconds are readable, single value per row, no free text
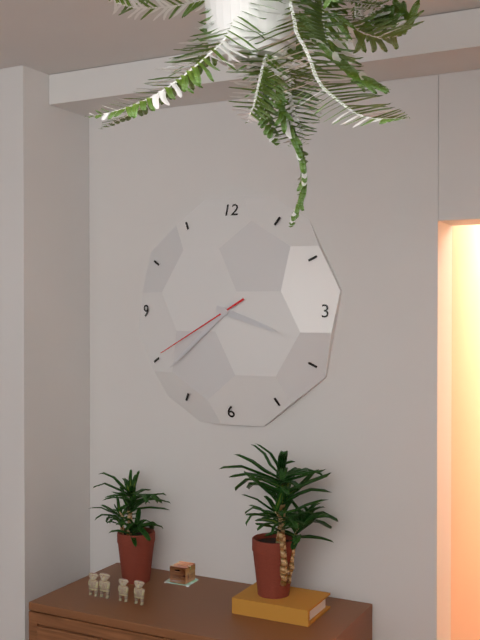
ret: **3:38:40**
